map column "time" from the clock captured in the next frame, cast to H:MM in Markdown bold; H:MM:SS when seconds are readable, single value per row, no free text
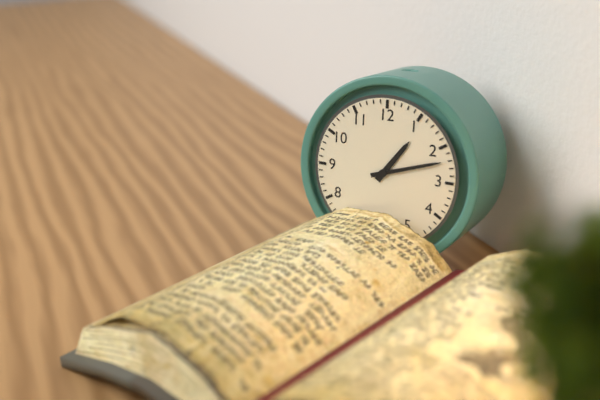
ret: **1:12**
